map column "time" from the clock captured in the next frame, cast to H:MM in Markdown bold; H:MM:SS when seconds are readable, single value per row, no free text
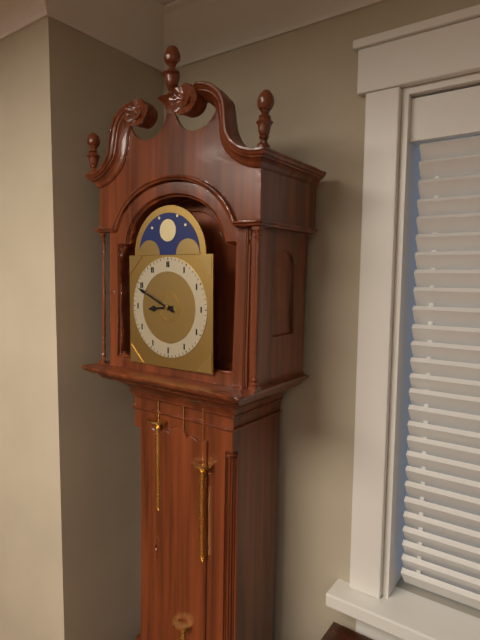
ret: **8:49**
